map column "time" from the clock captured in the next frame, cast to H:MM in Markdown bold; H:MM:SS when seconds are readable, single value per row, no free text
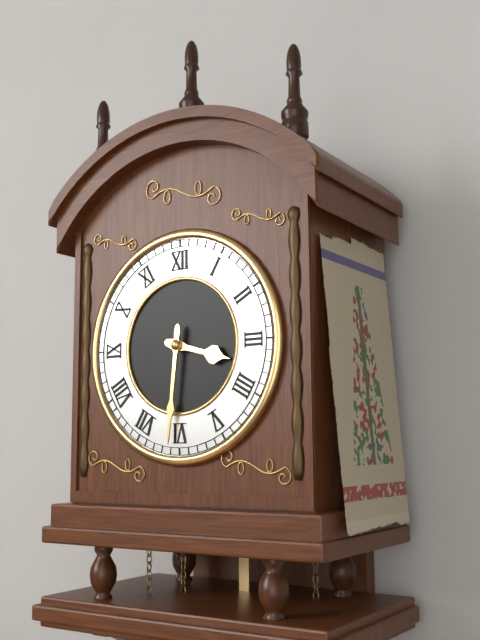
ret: **3:31**
